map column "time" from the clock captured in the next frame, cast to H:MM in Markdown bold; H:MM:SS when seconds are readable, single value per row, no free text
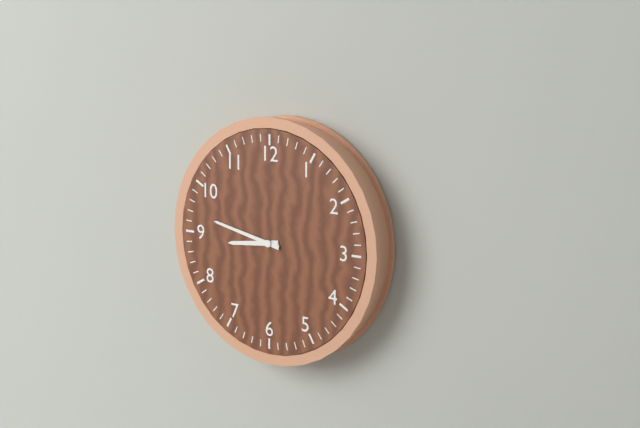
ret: **8:47**
